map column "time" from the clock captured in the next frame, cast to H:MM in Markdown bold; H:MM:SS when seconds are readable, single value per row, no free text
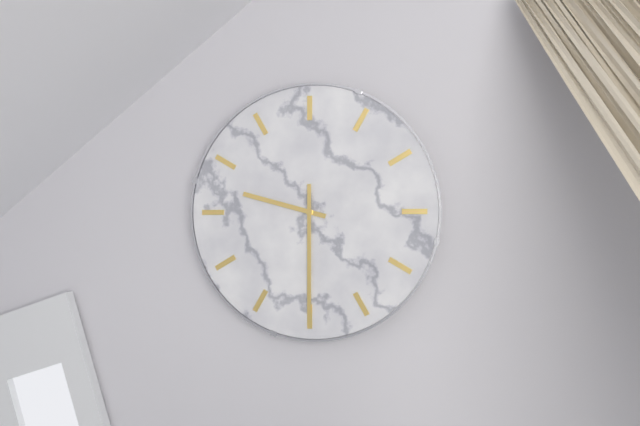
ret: **9:30**
